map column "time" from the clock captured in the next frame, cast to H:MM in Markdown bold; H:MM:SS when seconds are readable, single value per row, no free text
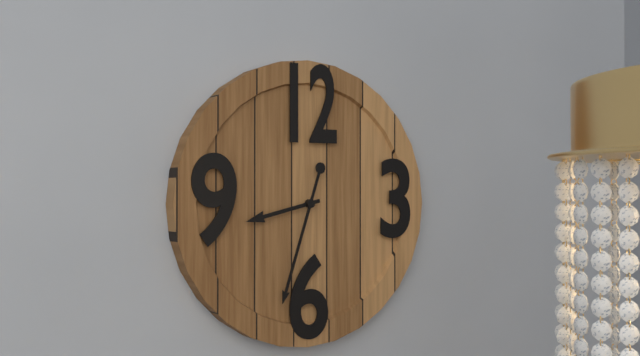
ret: **8:33**
